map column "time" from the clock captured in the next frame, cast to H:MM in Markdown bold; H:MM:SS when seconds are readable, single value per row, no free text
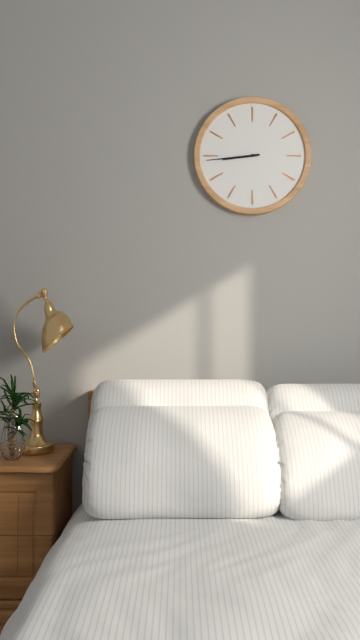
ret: **8:44**
